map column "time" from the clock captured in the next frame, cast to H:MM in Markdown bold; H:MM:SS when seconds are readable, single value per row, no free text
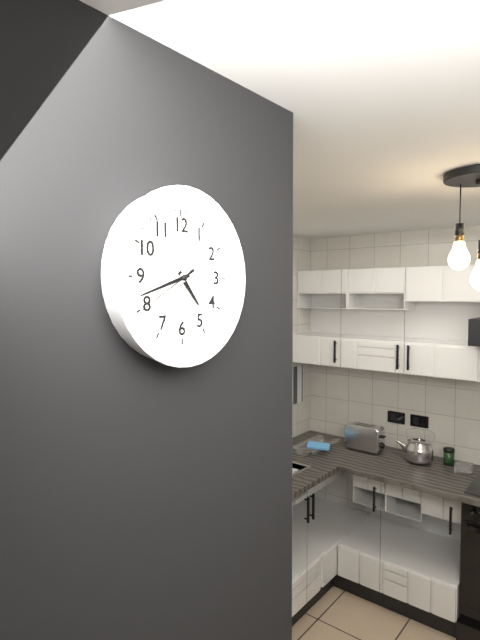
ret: **4:42:40**
